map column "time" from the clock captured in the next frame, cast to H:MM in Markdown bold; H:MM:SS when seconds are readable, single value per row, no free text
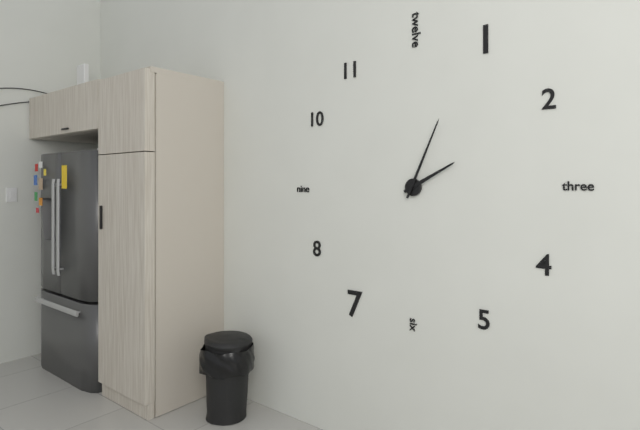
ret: **2:04**
